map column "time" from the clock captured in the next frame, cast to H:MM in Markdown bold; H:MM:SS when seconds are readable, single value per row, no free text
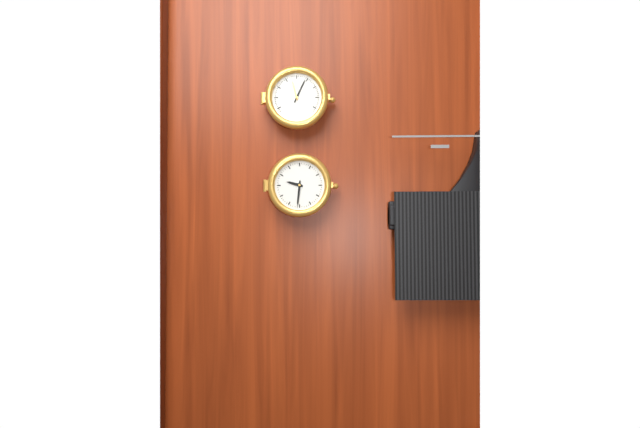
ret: **9:31**
